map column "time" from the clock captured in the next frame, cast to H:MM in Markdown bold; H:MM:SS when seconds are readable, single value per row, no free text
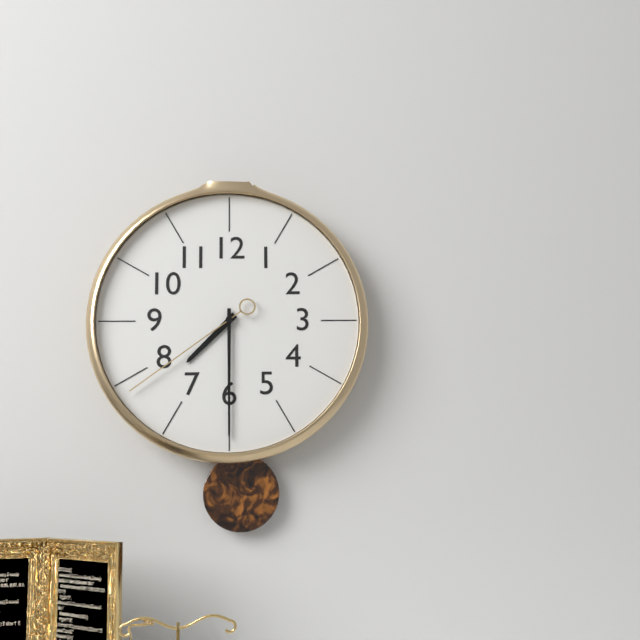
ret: **7:30:39**
